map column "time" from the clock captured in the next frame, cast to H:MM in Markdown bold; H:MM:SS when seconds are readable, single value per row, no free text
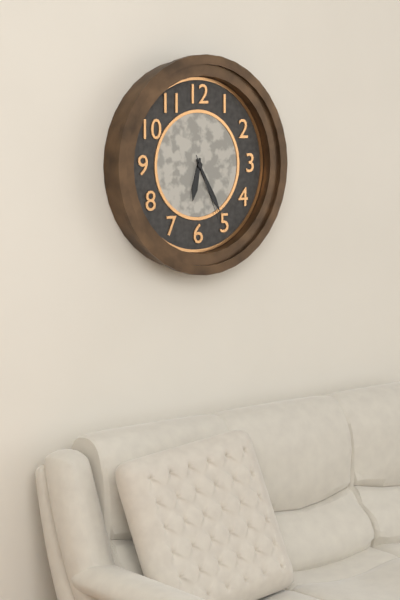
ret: **6:25:26**
